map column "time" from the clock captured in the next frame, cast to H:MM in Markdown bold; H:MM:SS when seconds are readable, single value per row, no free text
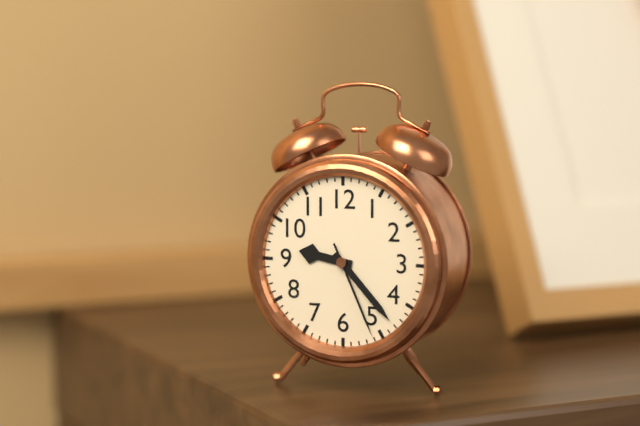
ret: **9:23:26**
